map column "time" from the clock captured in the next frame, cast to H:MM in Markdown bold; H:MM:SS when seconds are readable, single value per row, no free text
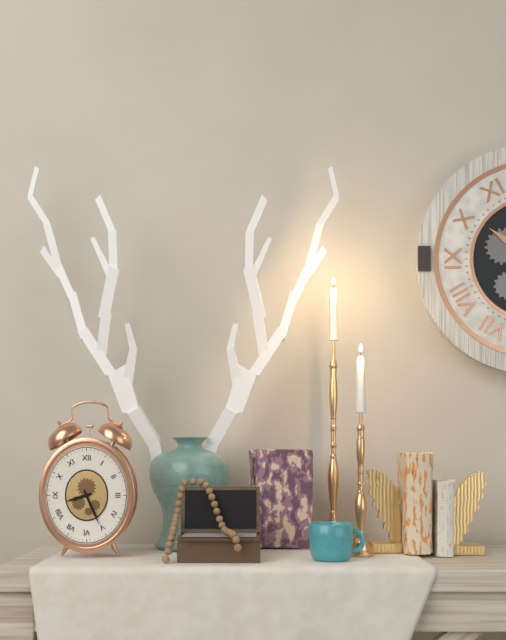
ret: **8:26**
